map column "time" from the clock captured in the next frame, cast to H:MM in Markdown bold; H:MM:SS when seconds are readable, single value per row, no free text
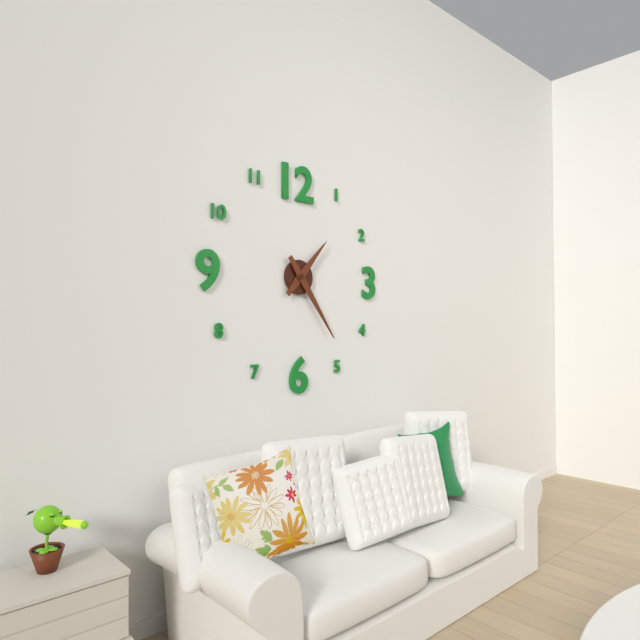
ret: **1:24**
